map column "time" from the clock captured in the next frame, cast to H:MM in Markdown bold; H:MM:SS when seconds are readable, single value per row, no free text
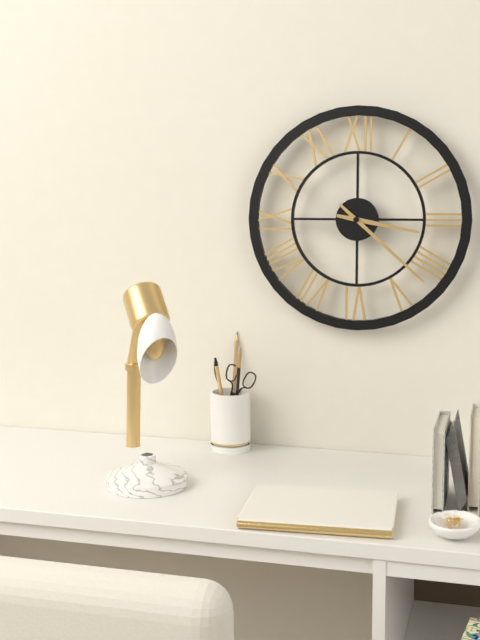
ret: **3:22**
